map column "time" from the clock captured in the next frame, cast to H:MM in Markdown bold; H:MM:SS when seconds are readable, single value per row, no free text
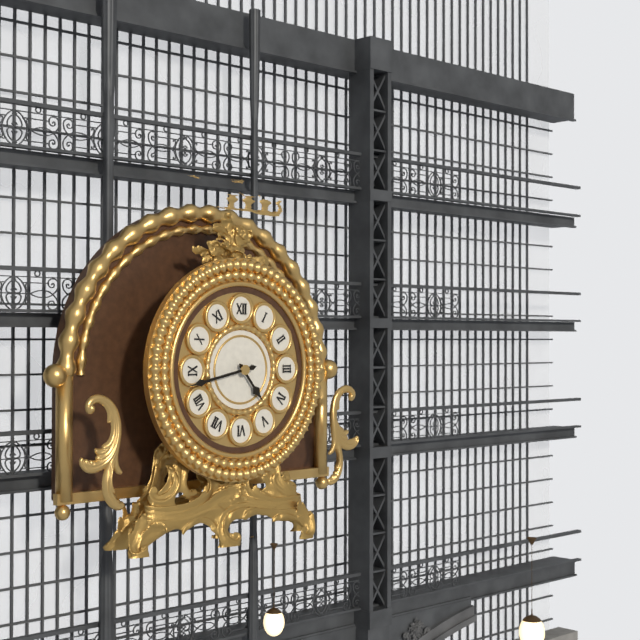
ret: **4:43**
